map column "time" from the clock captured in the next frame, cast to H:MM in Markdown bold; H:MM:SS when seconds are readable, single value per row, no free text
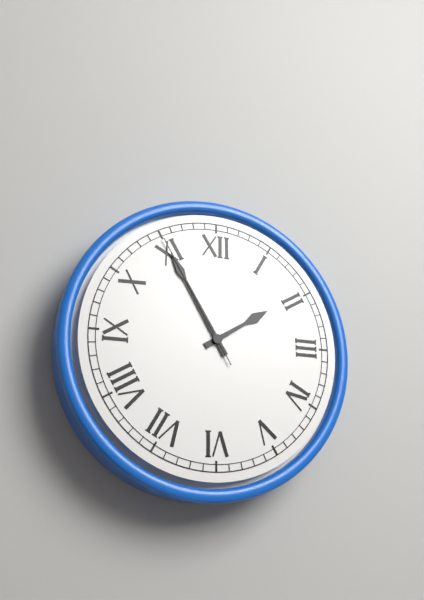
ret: **1:55:55**
